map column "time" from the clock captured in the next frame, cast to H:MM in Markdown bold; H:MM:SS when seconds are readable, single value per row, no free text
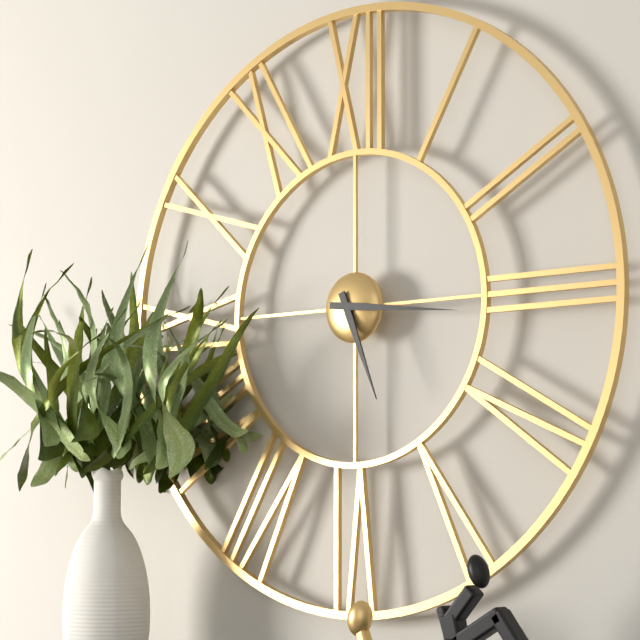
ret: **5:16**
